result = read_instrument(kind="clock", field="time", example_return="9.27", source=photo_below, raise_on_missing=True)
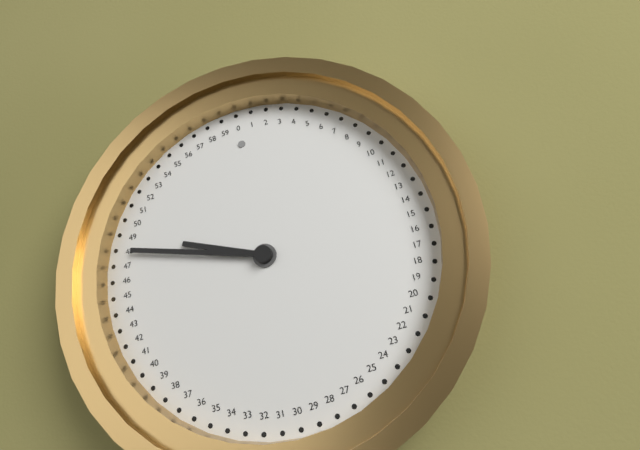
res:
9.48
